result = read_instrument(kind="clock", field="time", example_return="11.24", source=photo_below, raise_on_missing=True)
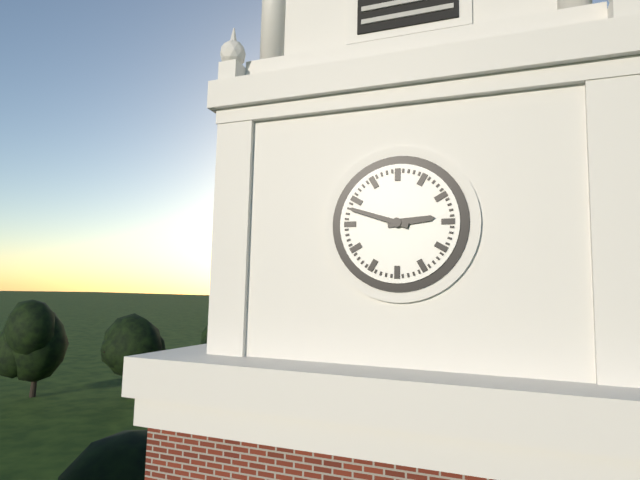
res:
2.48
